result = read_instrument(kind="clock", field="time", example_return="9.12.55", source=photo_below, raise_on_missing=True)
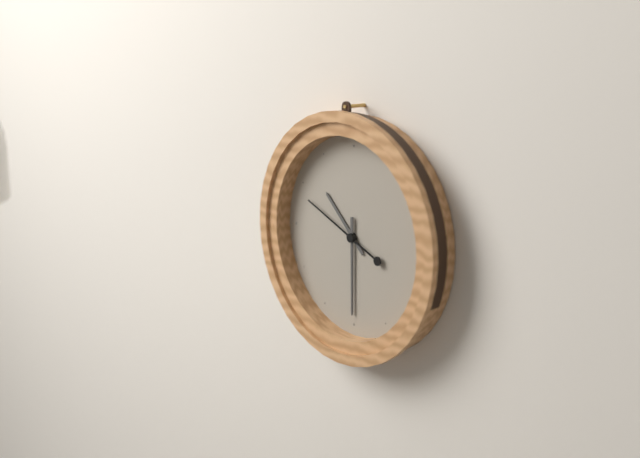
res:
10.30.49
